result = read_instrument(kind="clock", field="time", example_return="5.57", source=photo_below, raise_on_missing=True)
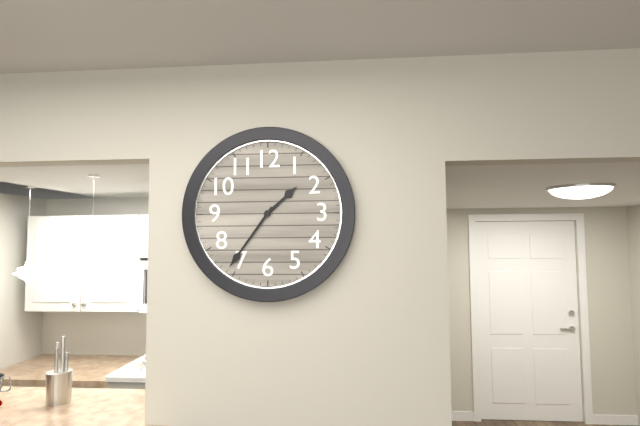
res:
1.36
